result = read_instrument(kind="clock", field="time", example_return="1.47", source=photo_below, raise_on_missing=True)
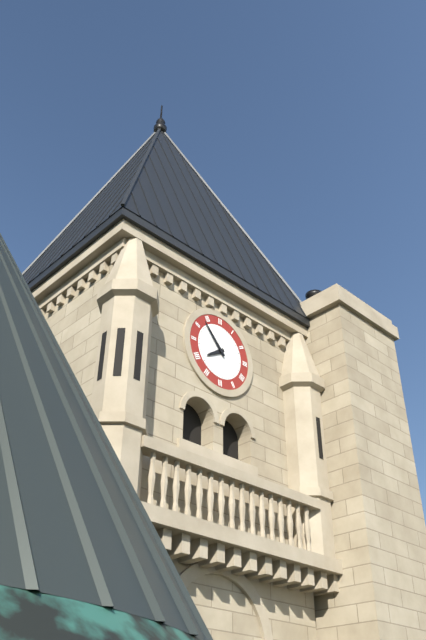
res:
7.53
